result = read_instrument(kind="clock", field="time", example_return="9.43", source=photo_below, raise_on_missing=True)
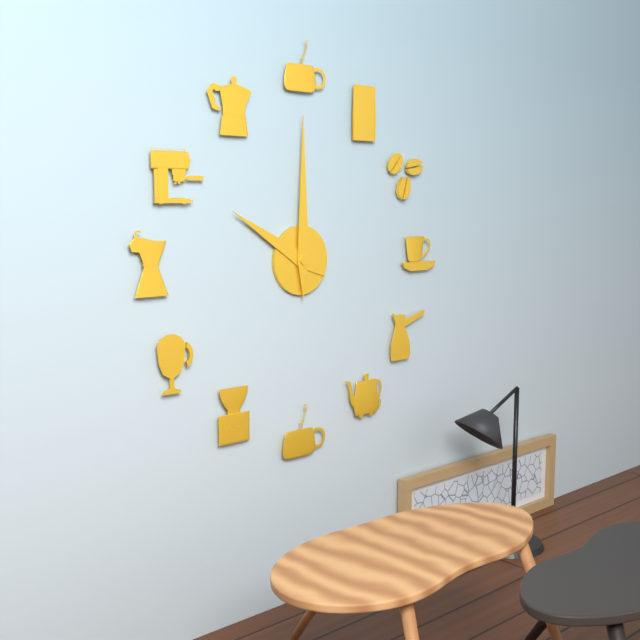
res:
10.00
